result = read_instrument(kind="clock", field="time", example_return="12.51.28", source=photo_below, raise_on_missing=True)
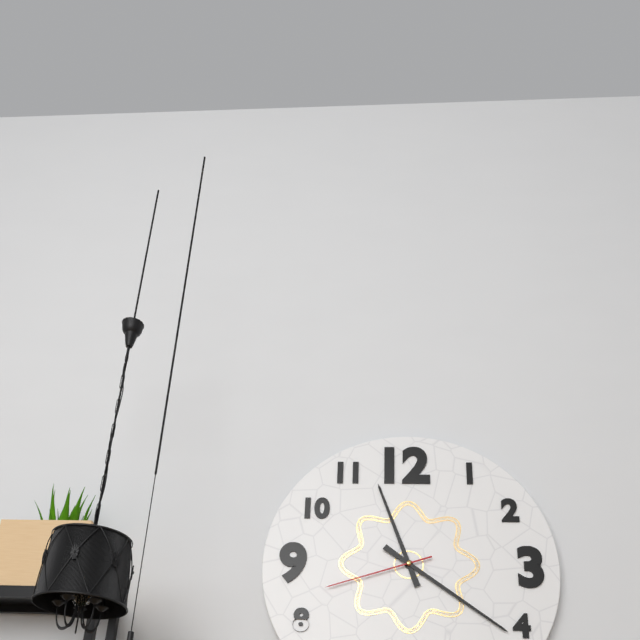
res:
11.21.42
